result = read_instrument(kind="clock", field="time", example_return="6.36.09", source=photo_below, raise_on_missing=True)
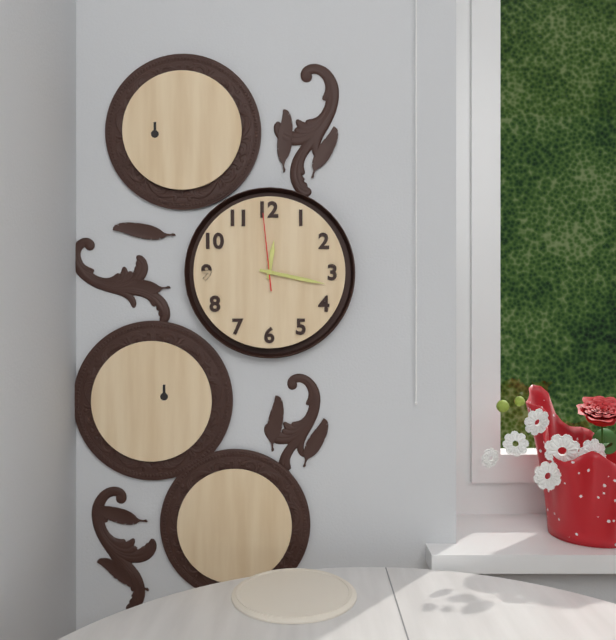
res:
12.17.59
